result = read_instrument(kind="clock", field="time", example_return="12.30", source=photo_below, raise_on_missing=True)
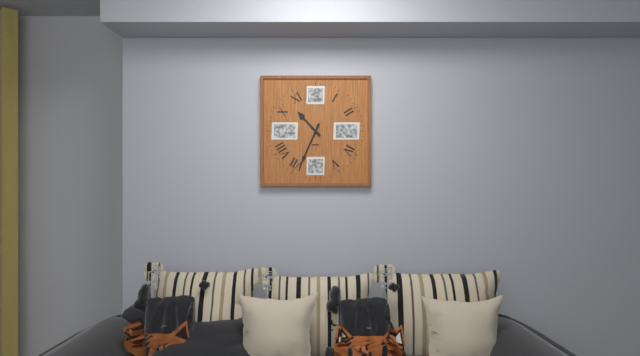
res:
10.34
